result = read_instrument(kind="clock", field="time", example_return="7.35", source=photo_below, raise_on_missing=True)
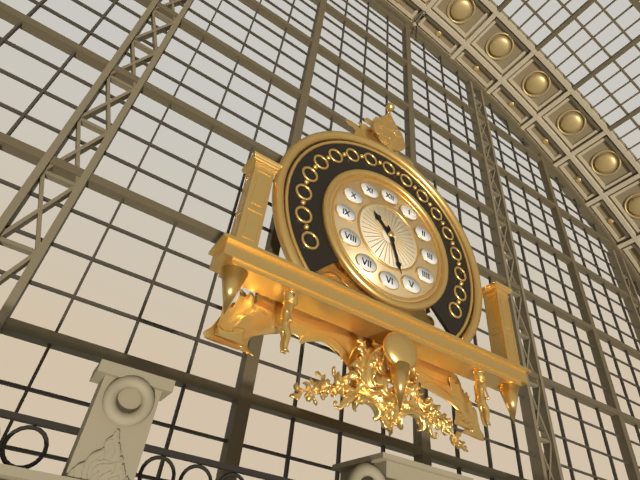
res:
10.27
